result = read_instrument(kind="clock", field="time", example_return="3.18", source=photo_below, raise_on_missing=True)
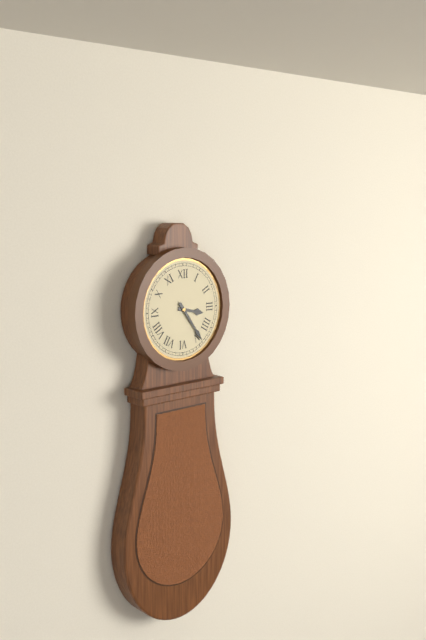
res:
3.24
